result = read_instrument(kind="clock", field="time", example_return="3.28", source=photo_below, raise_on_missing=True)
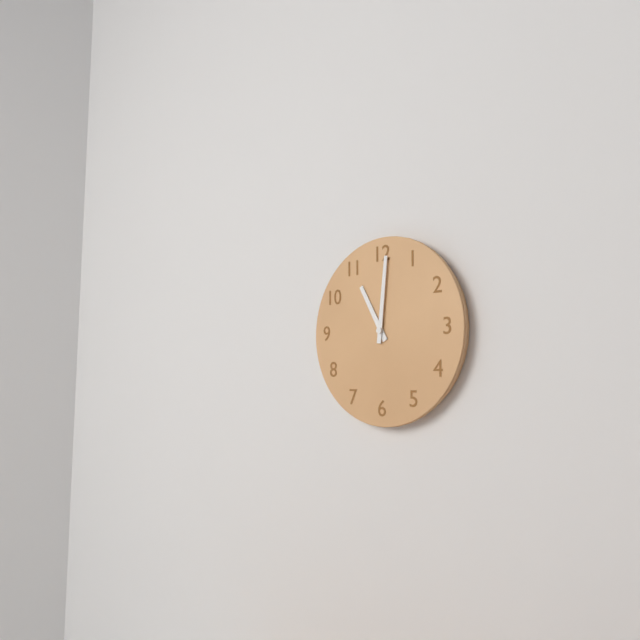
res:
11.01
